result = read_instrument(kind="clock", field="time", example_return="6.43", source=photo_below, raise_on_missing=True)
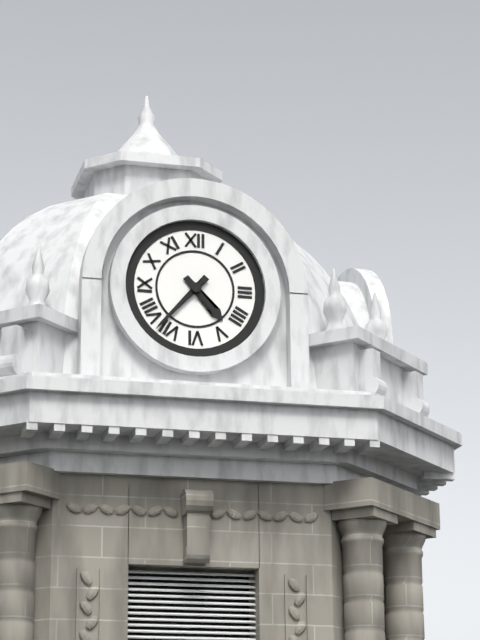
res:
4.37
